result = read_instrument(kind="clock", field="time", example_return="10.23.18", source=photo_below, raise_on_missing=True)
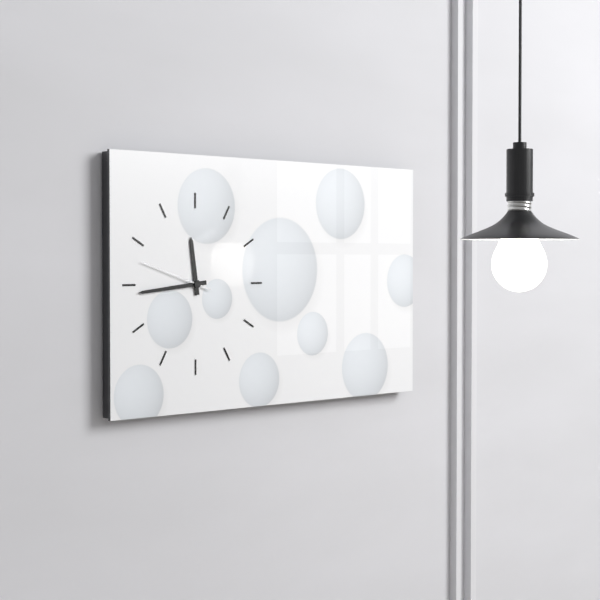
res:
11.44.48
